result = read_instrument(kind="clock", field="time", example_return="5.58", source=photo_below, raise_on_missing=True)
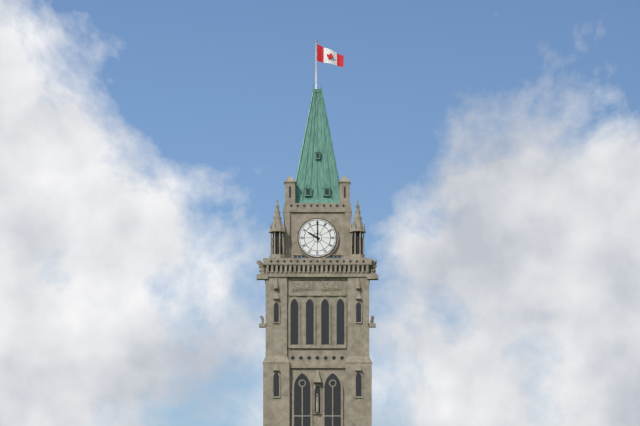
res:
10.00
